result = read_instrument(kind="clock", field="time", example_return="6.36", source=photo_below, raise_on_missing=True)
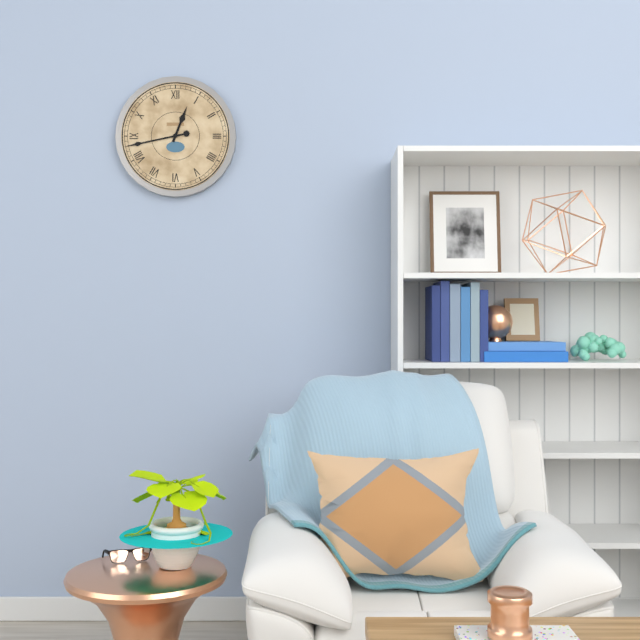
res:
12.43
